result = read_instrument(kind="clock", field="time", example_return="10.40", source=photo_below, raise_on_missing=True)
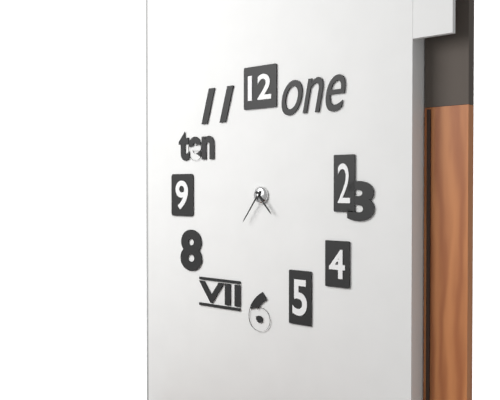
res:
4.36
